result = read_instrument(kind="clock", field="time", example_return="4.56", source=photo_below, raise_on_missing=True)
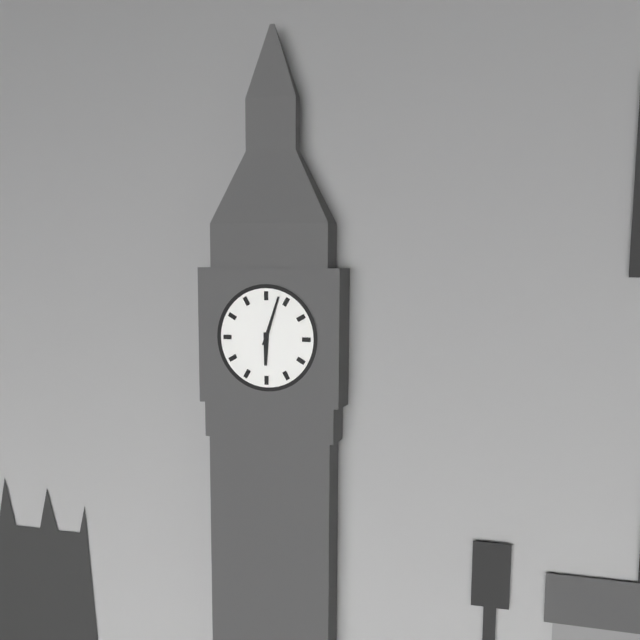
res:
6.03
